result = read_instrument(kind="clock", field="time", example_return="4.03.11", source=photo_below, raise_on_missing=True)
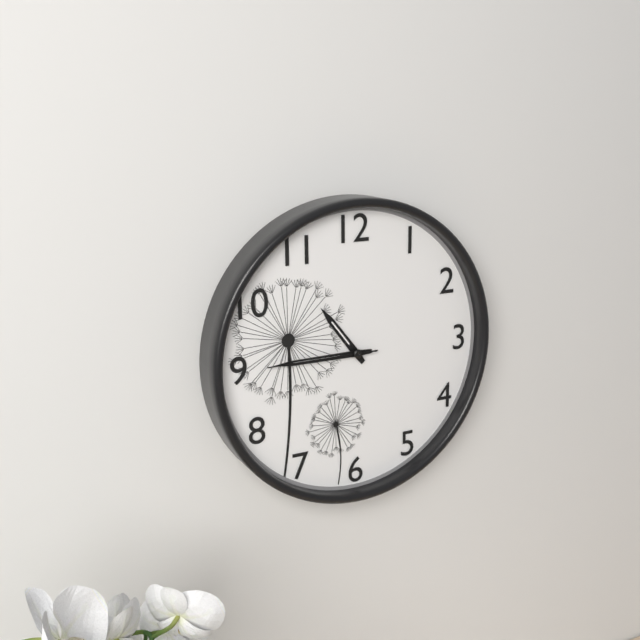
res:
10.45.45
